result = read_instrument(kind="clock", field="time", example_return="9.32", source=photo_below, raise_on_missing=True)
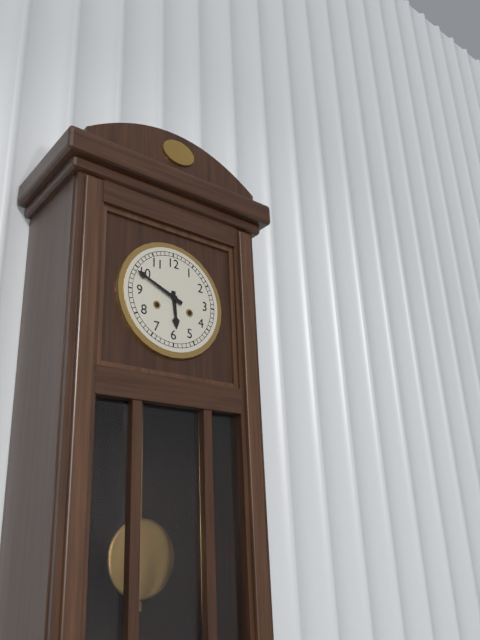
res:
5.49
